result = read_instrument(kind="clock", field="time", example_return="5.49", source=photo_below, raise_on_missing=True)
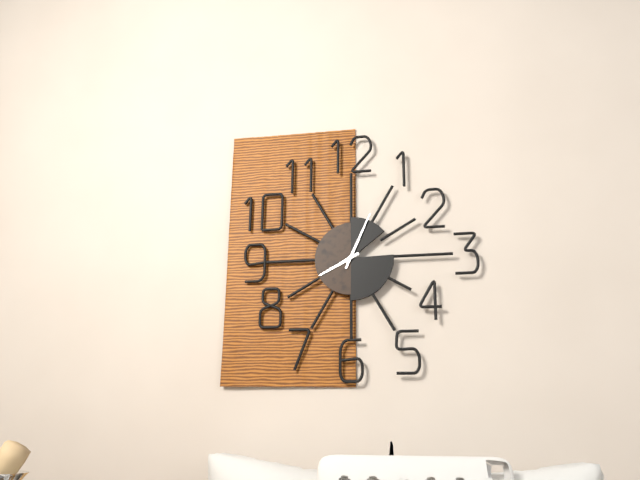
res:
8.04
